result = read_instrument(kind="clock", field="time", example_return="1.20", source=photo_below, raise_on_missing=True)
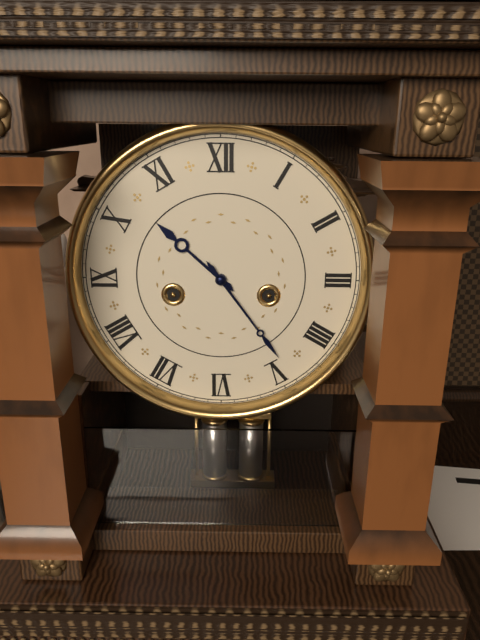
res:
10.24
